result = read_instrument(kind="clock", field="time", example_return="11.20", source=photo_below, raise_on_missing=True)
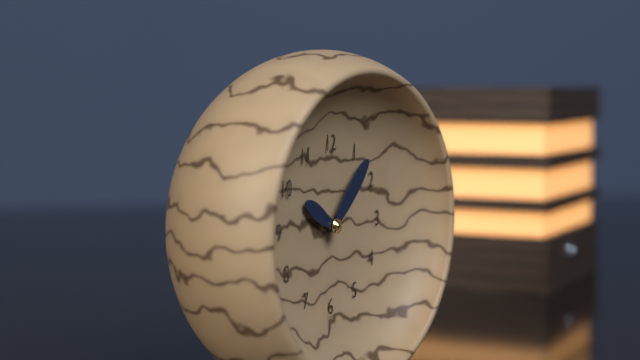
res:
10.07
